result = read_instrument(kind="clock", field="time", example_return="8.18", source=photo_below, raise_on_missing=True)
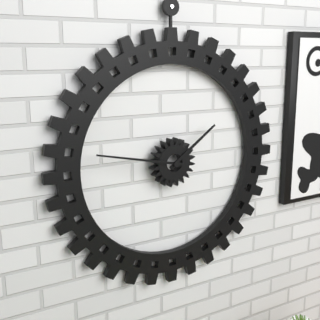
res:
1.47
